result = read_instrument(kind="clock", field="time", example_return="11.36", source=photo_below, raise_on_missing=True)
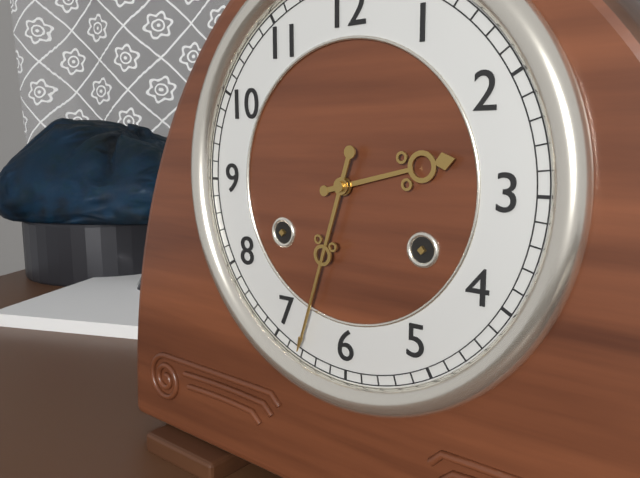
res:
2.33
